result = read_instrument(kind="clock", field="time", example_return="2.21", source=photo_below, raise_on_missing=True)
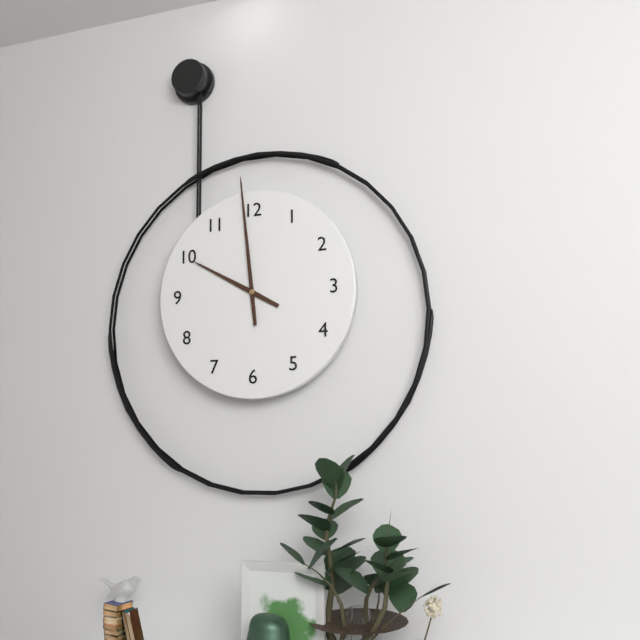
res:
9.59
